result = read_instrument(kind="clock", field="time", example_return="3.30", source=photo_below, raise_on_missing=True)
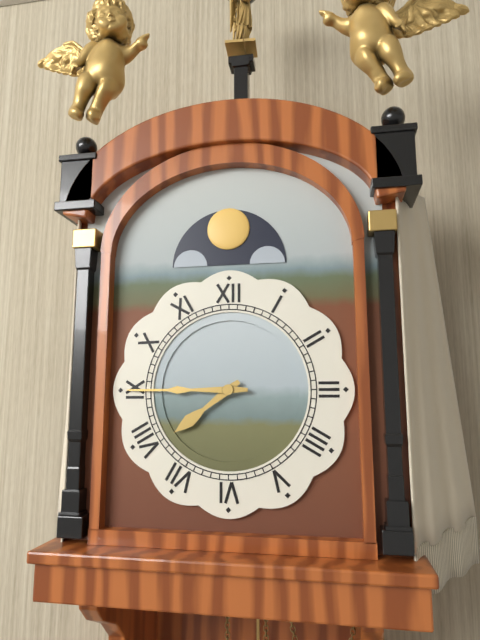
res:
7.45
